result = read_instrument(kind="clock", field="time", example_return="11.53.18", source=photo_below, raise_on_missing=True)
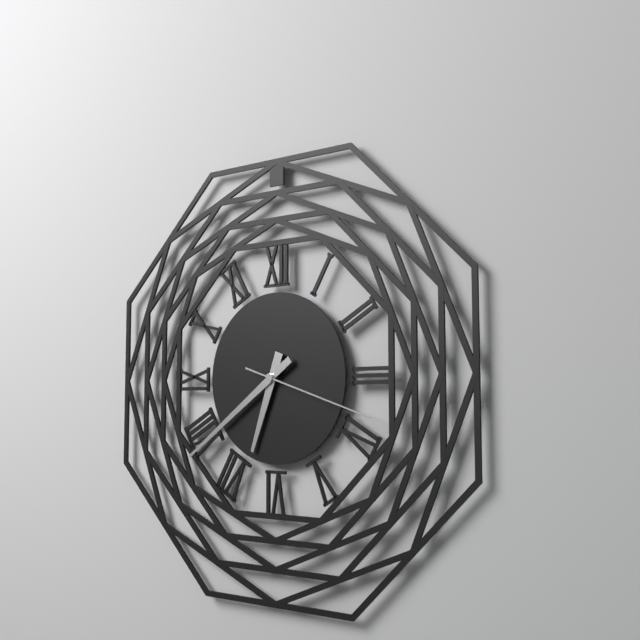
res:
6.39.18
